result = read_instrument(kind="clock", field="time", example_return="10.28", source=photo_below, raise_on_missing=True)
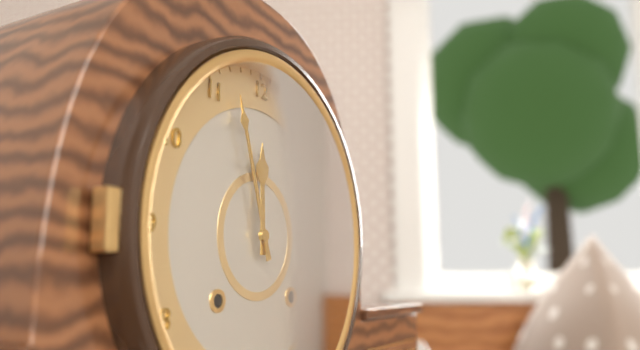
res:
11.57
